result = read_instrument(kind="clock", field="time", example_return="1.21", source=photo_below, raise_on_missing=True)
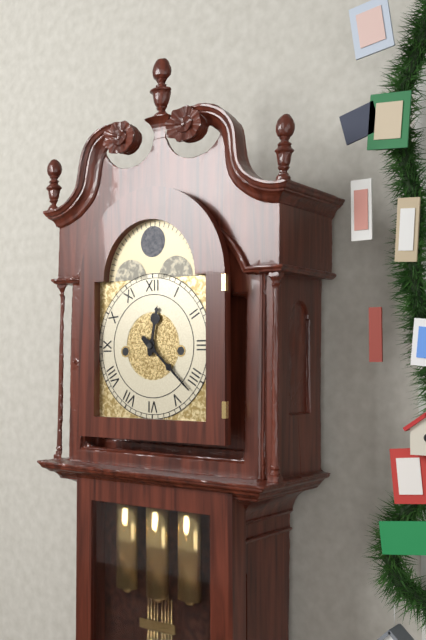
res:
12.22
